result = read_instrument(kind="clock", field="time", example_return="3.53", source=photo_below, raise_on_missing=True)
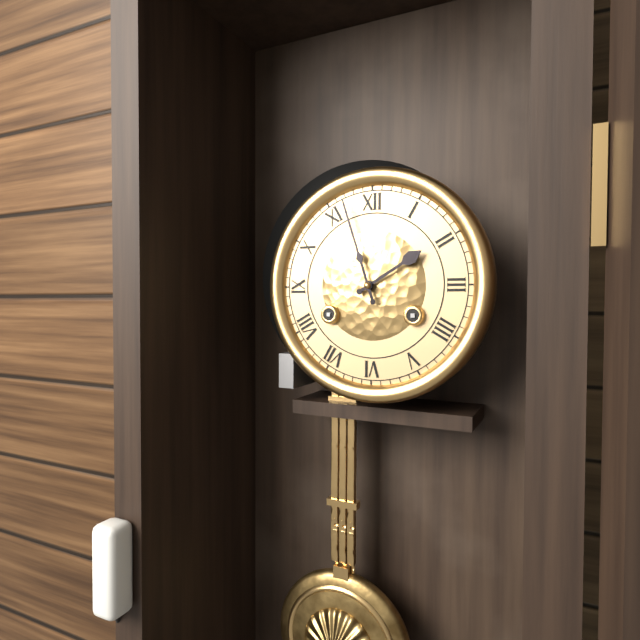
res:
1.57
